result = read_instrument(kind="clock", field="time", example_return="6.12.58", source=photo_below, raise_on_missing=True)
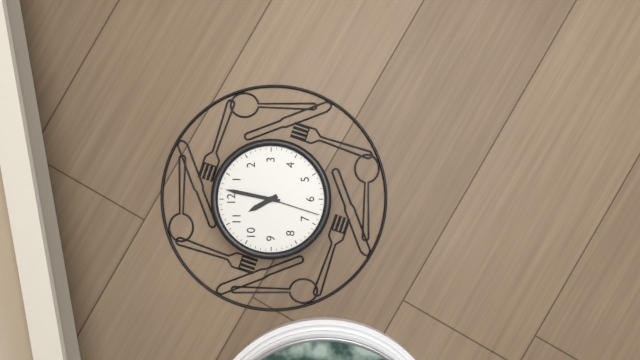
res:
11.02.33
